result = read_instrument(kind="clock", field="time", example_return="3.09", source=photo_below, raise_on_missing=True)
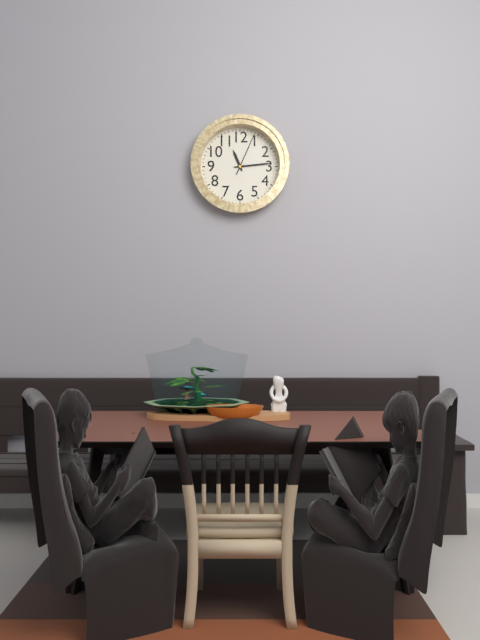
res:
11.14
